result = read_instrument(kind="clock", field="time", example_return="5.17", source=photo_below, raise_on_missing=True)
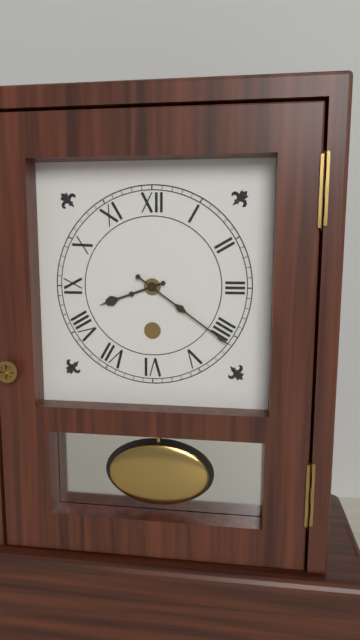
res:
8.21
